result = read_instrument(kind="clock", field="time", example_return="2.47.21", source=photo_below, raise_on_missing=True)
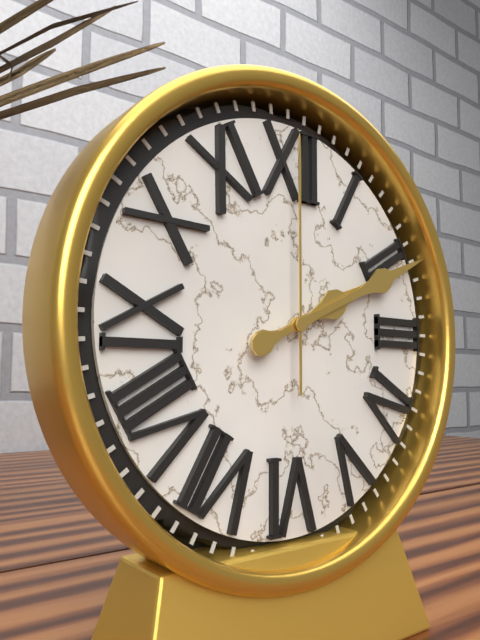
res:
2.11.00
